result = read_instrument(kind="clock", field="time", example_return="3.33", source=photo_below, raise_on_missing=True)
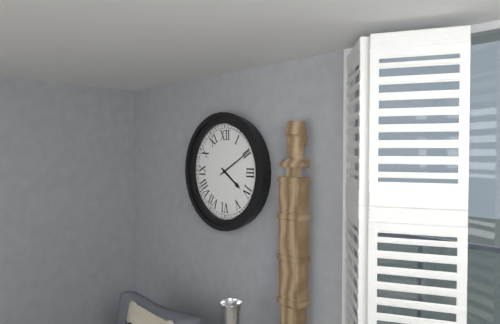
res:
4.10
